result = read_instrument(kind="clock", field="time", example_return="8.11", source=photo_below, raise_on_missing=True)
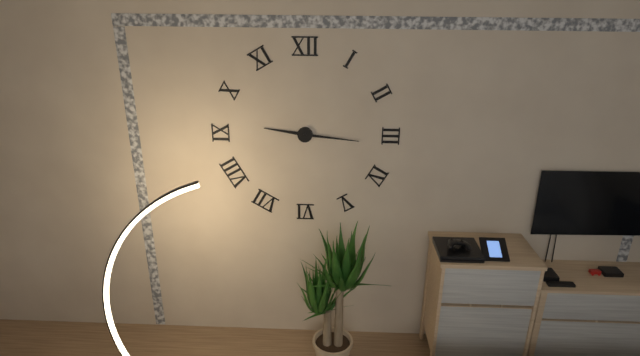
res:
9.16
